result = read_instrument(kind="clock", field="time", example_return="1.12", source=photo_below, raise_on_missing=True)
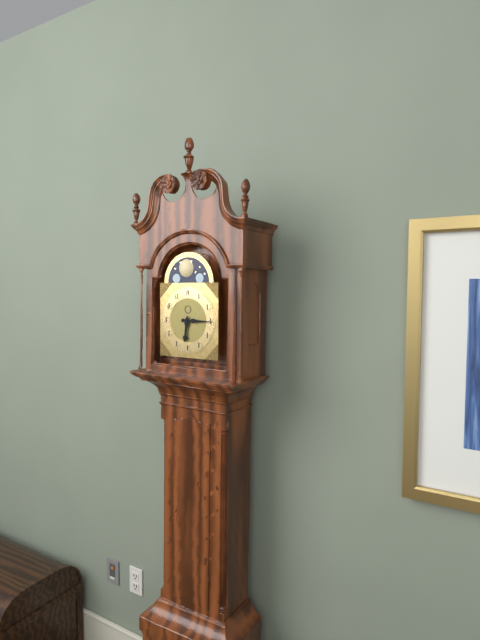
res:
6.15
